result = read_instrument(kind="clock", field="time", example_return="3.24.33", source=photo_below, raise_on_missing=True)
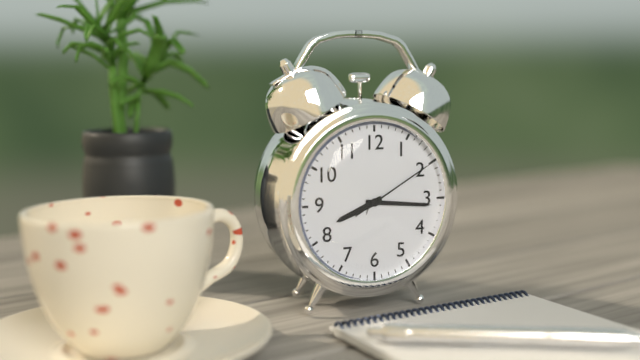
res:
8.16.10
